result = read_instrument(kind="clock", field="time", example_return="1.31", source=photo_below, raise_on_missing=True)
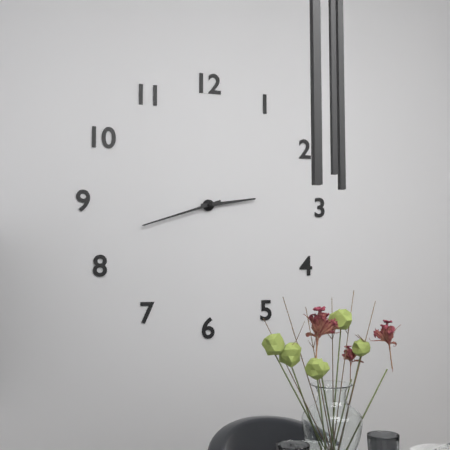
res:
2.42
